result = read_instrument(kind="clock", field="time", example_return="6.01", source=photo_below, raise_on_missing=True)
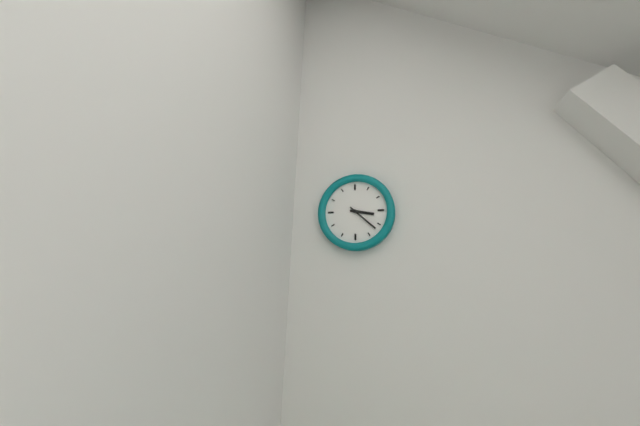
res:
3.22
